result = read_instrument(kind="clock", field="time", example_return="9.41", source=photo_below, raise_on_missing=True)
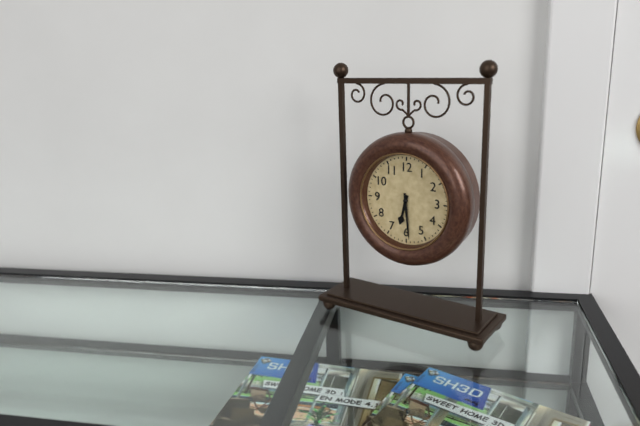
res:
6.29
